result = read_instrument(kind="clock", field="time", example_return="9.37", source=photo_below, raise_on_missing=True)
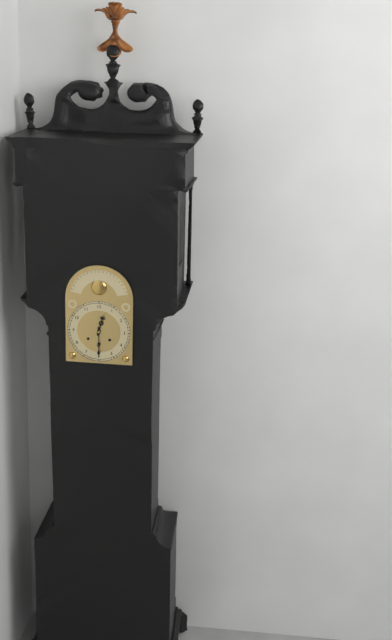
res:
12.30
